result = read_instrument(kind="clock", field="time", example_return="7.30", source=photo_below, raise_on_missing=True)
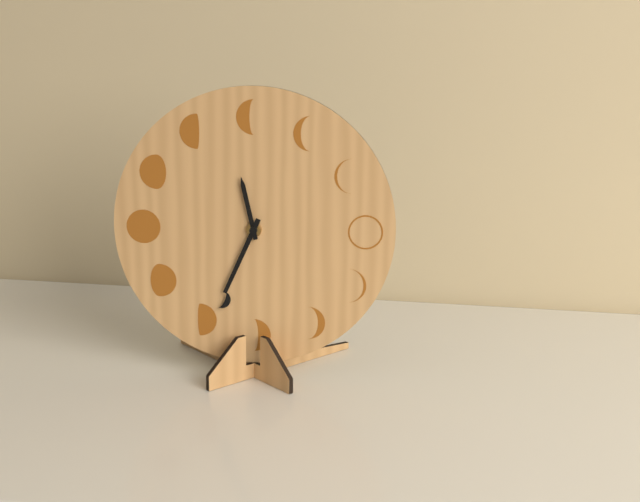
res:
11.34
